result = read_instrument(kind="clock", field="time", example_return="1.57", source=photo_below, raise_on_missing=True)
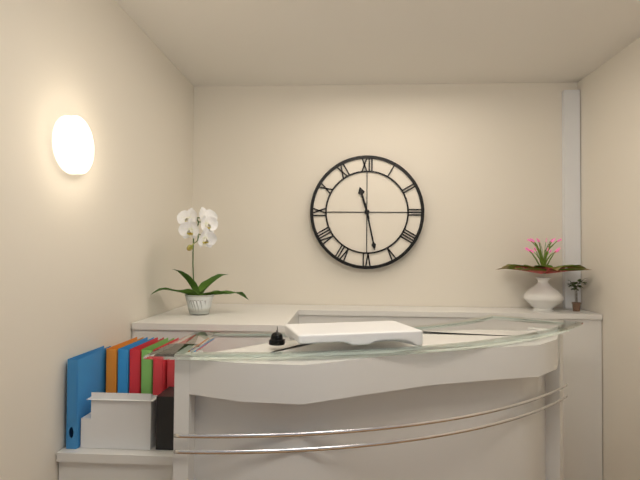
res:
11.28
